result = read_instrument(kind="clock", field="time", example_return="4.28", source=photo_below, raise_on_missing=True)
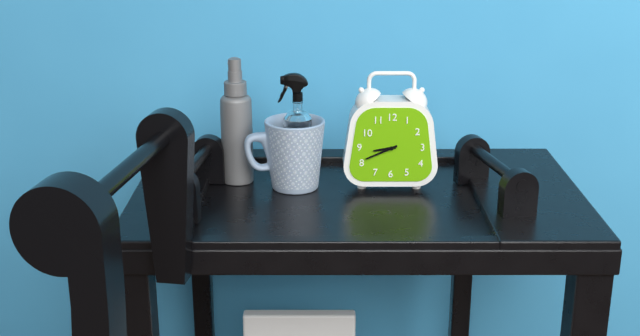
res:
8.41
